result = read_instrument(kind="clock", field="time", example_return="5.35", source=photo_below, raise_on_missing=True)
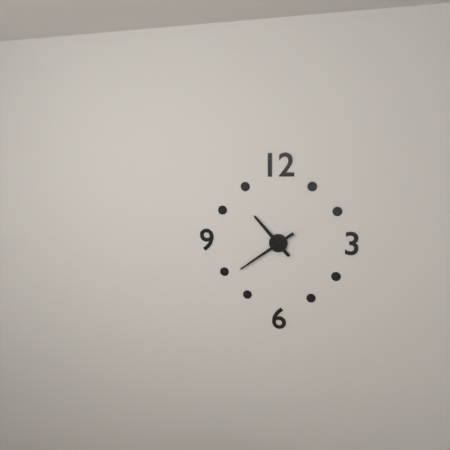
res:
10.39
